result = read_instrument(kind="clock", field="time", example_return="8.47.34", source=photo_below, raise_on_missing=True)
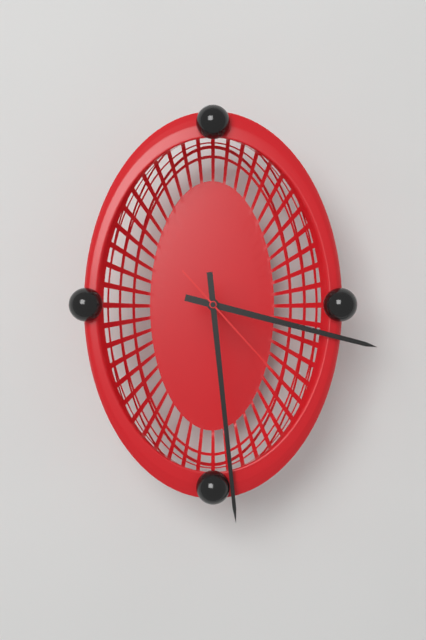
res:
3.29.23
